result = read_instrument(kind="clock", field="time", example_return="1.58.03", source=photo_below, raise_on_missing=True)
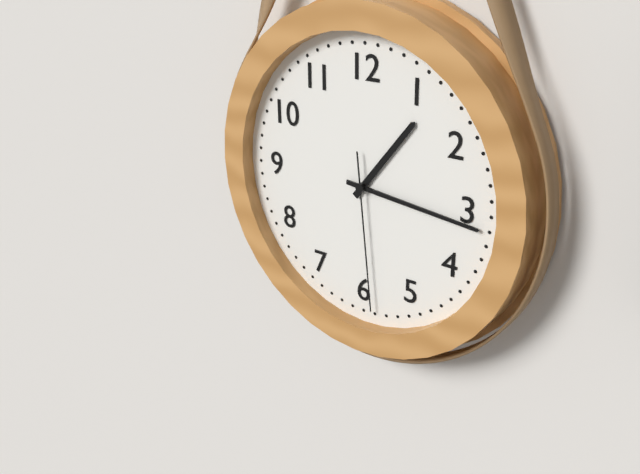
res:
1.16.29
